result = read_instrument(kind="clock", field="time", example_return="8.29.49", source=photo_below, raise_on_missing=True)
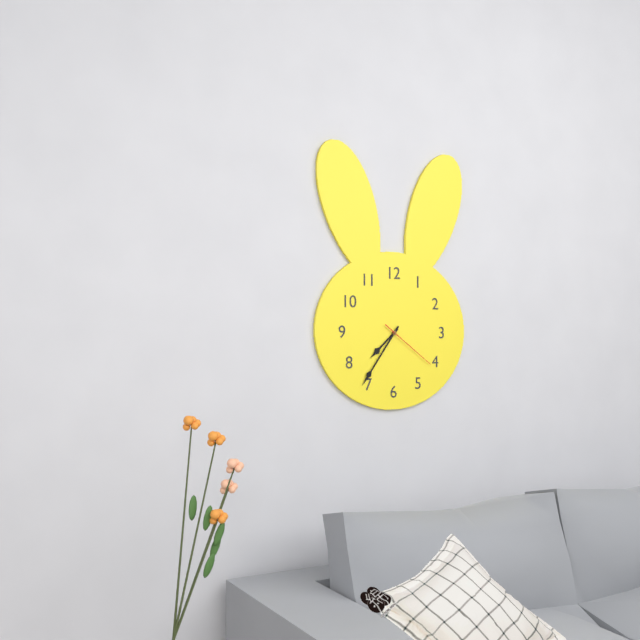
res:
7.36.21
